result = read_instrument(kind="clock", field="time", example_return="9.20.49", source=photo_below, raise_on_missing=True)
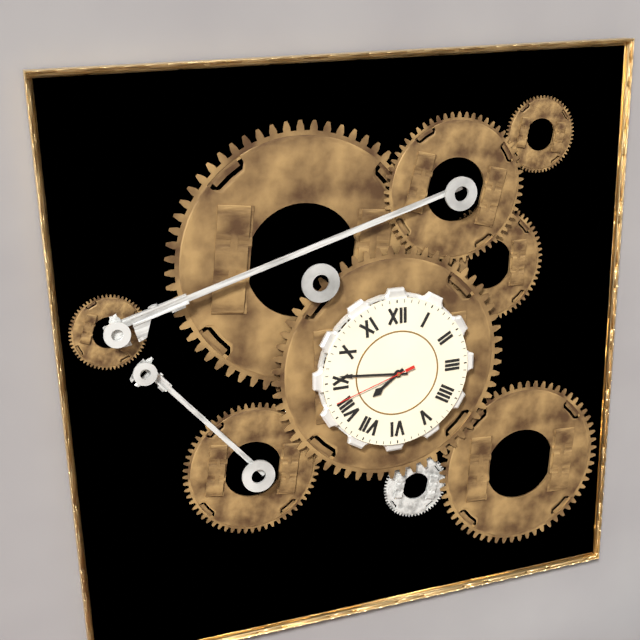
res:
7.46.42
